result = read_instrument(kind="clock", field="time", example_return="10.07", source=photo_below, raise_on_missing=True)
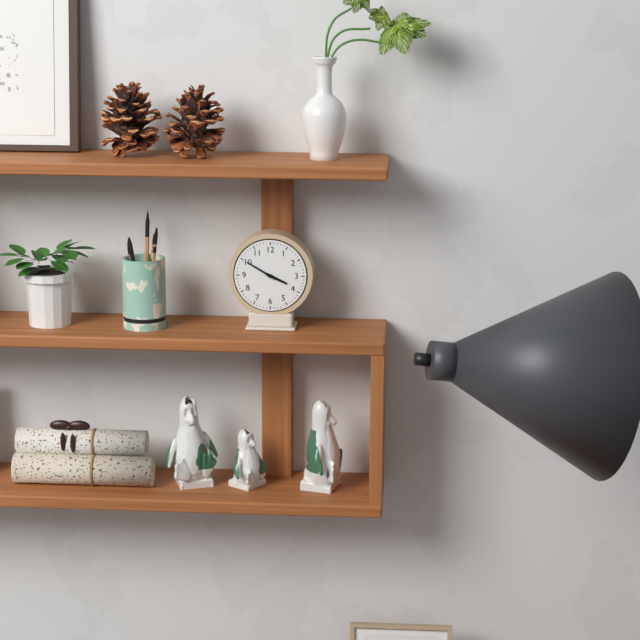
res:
3.50
